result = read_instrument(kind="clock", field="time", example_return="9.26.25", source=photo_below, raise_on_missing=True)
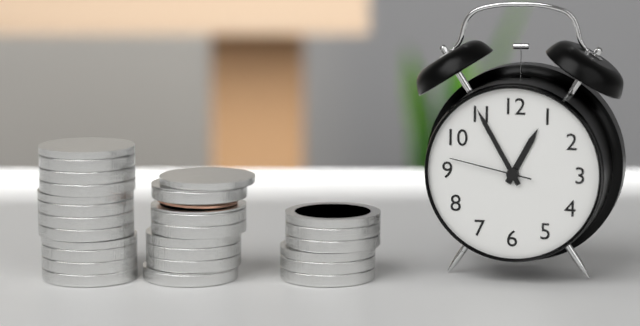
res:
12.55.47
